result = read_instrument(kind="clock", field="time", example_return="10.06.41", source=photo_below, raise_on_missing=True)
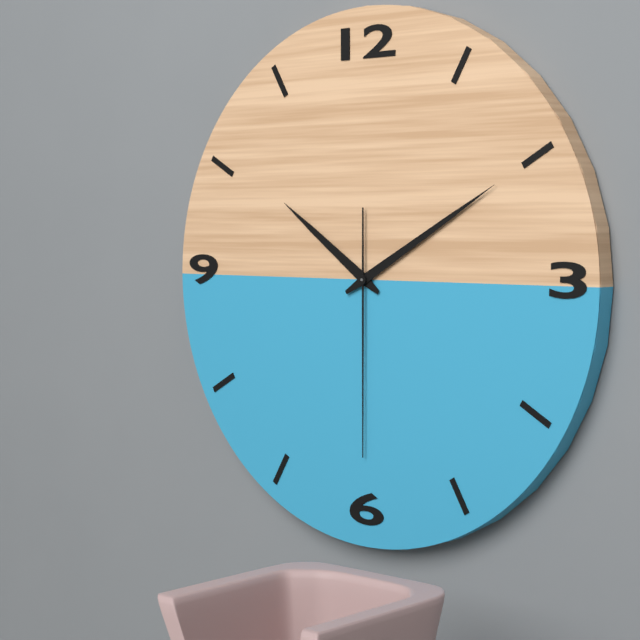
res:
10.10.30
